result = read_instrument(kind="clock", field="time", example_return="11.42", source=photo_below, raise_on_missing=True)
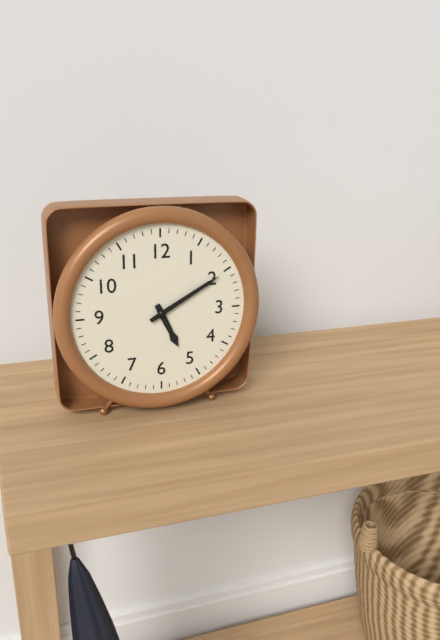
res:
5.10
